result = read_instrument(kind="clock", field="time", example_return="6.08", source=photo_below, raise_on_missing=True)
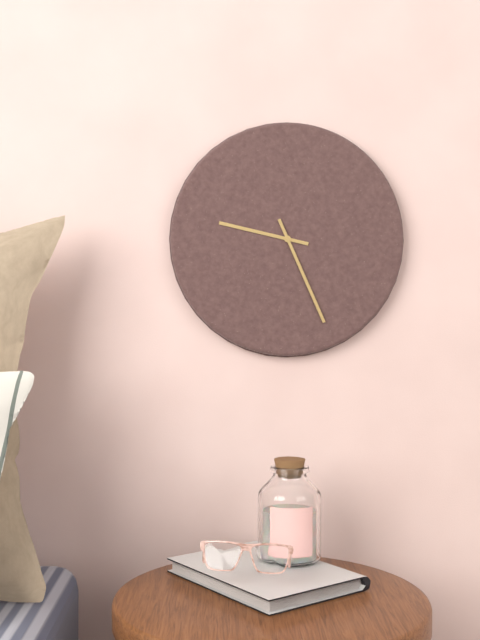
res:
9.26
